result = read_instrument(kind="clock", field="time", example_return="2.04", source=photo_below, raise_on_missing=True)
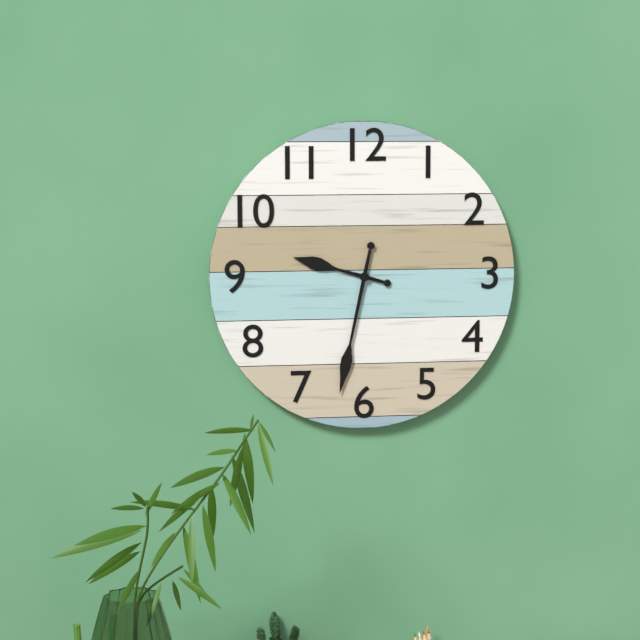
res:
9.32
